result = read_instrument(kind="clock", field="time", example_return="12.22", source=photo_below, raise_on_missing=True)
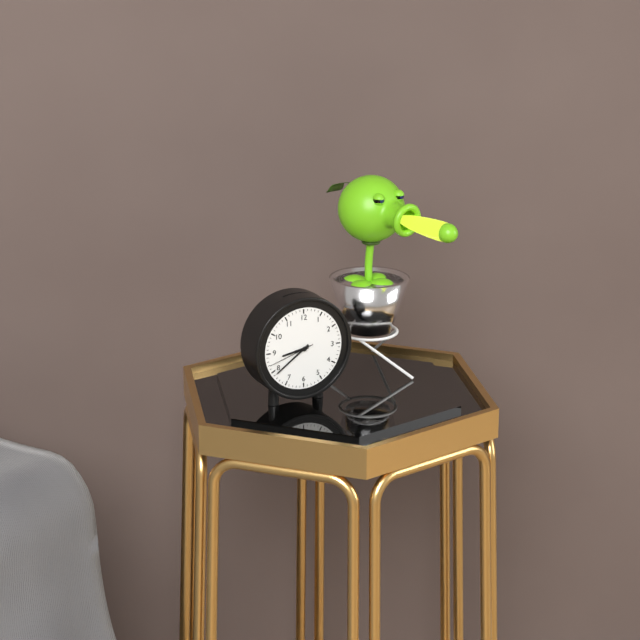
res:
8.39
